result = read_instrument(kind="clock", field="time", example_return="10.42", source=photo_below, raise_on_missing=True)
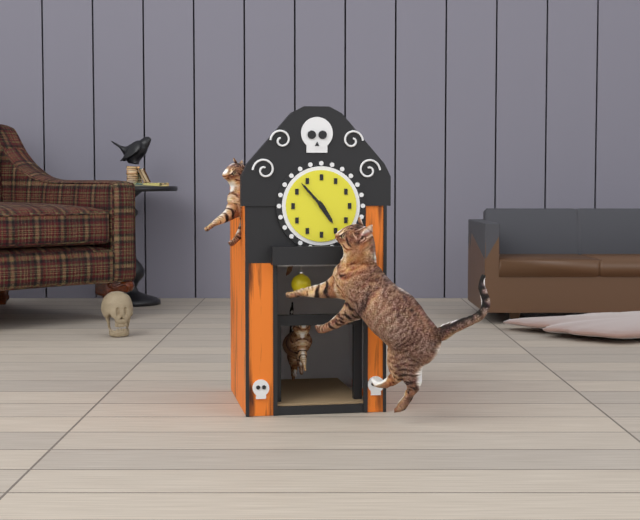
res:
4.53
